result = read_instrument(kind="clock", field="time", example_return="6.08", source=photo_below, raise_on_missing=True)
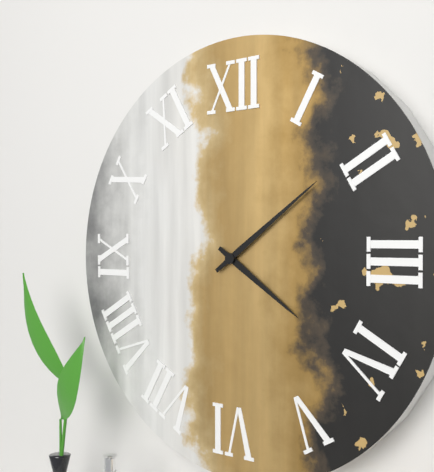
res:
4.09
